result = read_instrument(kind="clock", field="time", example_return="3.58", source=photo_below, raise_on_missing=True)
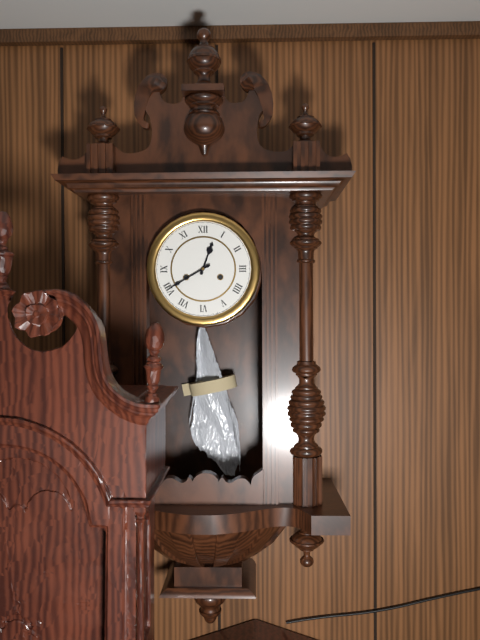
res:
12.40
